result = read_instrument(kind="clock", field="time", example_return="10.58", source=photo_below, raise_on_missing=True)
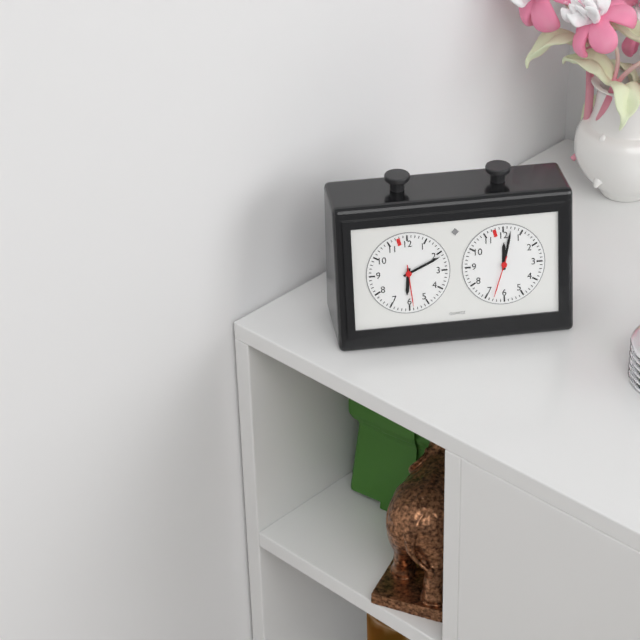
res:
6.11
